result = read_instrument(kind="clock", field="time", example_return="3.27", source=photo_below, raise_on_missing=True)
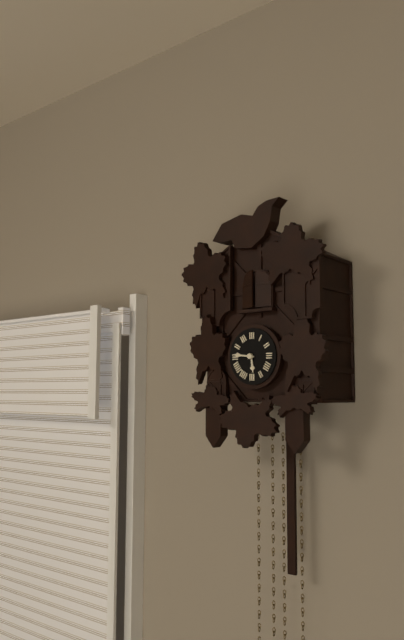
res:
5.46
